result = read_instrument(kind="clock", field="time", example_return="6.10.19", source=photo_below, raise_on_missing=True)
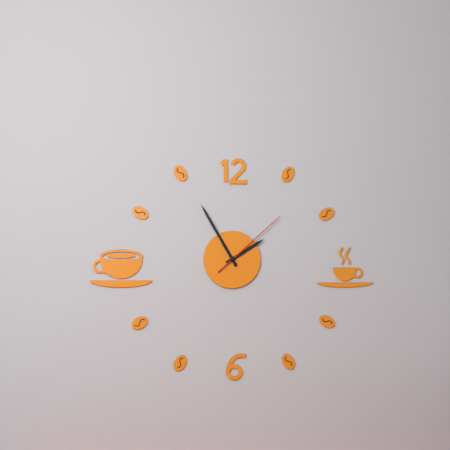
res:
1.55.08
